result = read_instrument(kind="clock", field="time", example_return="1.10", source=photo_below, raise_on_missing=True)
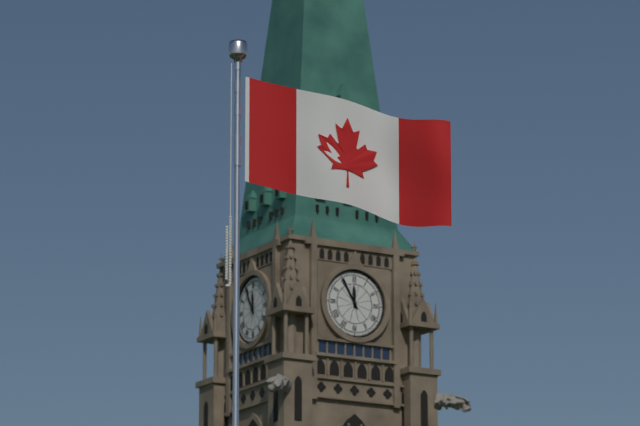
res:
11.55
